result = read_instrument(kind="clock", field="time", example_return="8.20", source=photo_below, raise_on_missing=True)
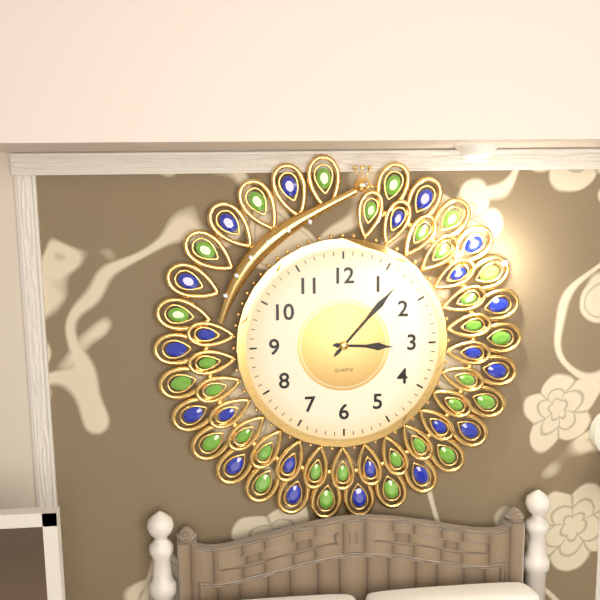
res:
3.07
